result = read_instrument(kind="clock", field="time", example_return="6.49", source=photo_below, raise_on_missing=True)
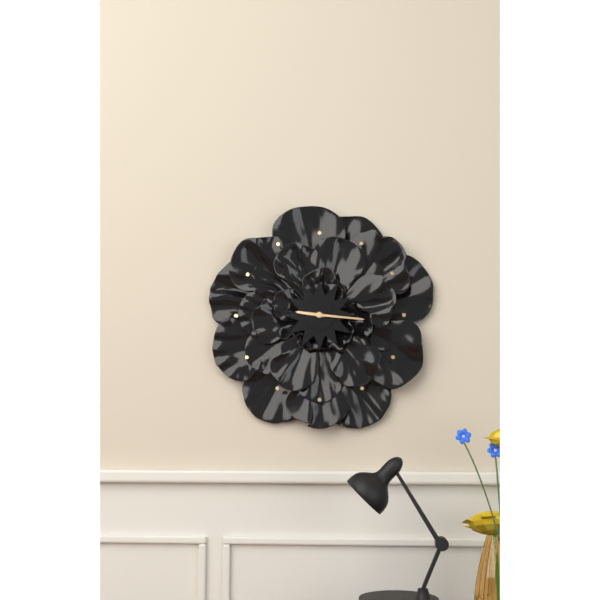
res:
9.16
